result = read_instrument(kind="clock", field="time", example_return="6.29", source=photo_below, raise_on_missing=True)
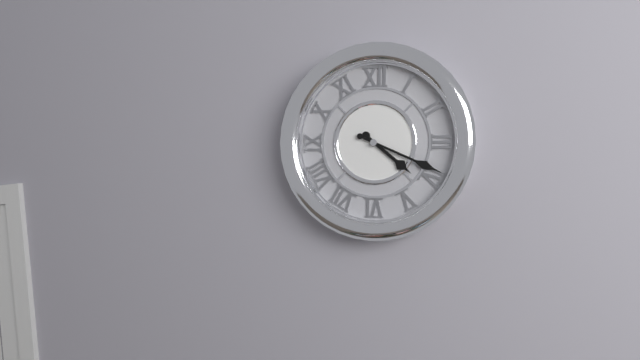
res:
4.19
